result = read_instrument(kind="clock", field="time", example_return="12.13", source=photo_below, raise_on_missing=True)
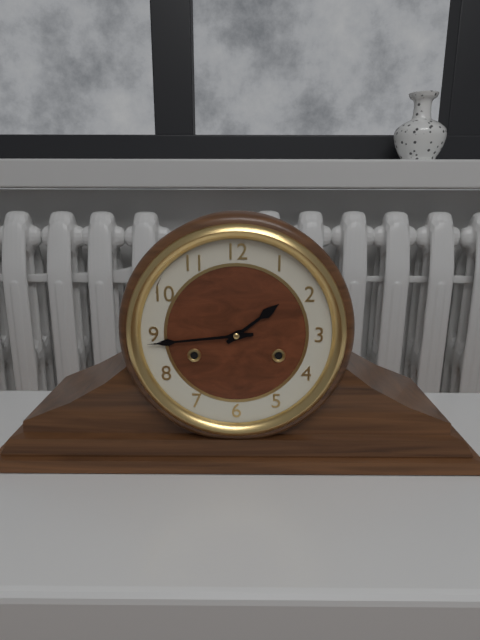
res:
1.44
